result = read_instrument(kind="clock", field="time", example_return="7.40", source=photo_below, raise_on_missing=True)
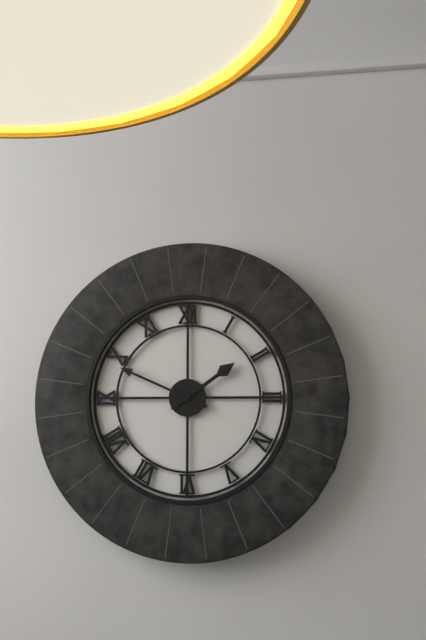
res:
1.49
